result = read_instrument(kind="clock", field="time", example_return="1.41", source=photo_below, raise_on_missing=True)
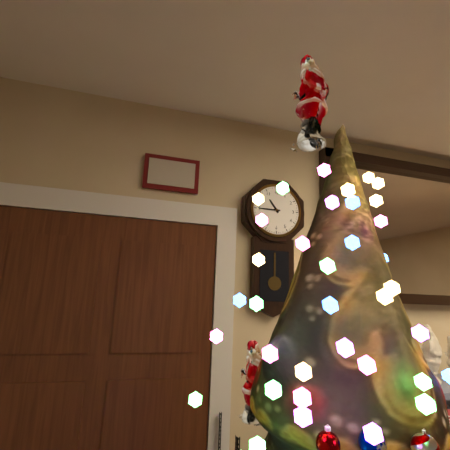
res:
10.45
